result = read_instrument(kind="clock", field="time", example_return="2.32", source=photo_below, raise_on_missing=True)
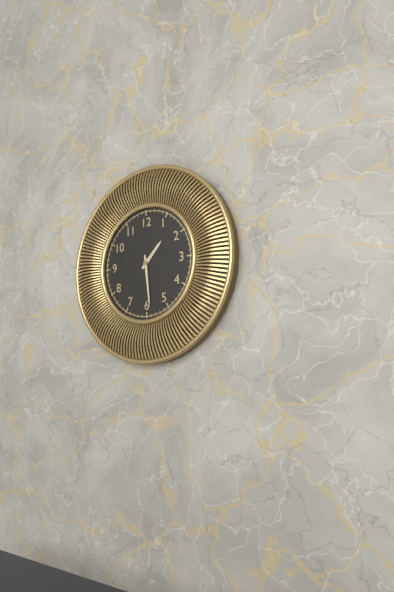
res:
1.29
